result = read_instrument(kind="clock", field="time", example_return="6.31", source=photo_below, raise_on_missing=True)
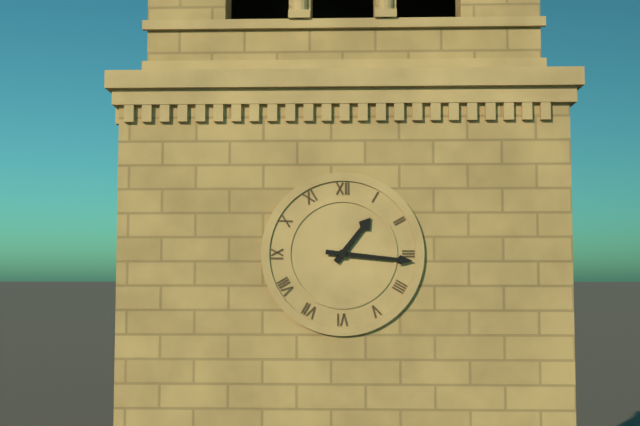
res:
1.16
